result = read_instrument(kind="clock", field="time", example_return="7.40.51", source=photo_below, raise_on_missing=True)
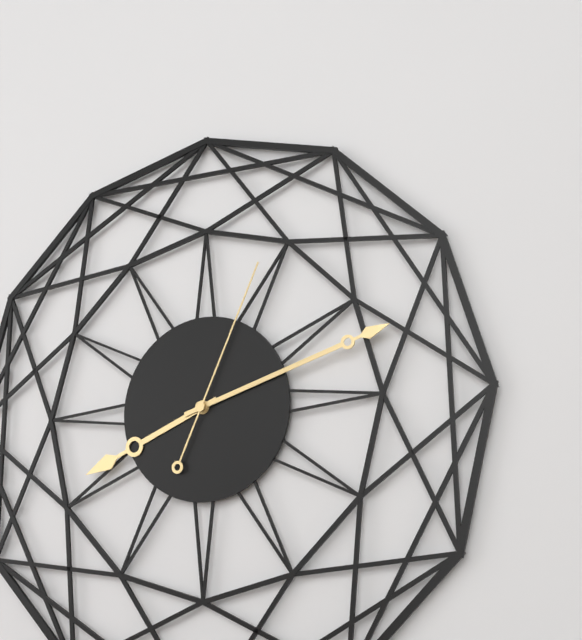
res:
8.12.04
